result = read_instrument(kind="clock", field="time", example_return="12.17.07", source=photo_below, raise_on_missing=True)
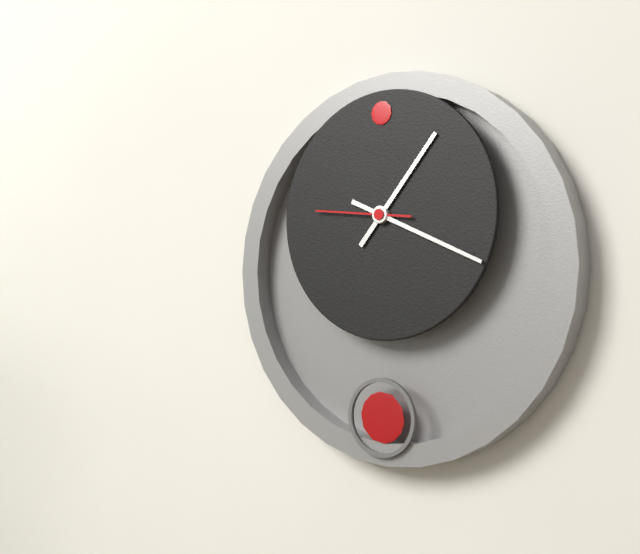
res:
1.19.46
